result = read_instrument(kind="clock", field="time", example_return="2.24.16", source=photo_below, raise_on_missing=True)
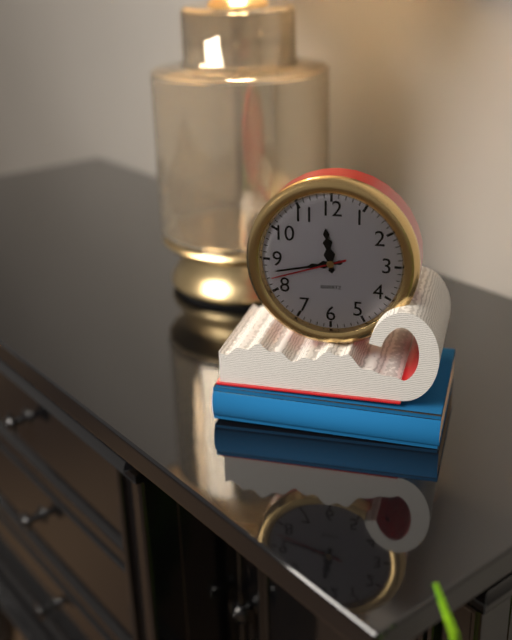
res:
11.43.42
